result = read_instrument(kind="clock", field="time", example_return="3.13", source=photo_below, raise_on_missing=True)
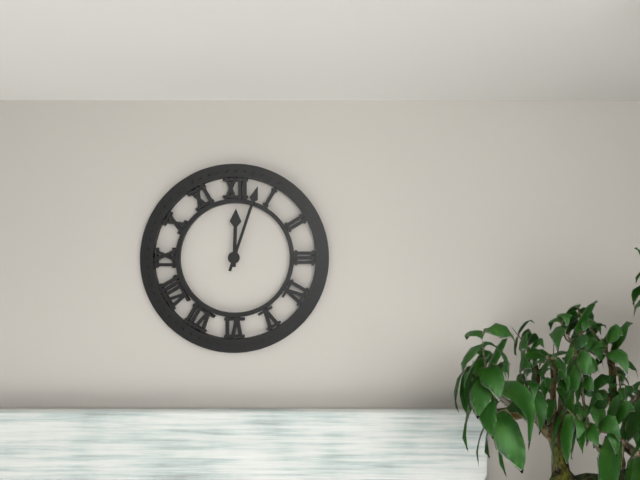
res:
12.03
